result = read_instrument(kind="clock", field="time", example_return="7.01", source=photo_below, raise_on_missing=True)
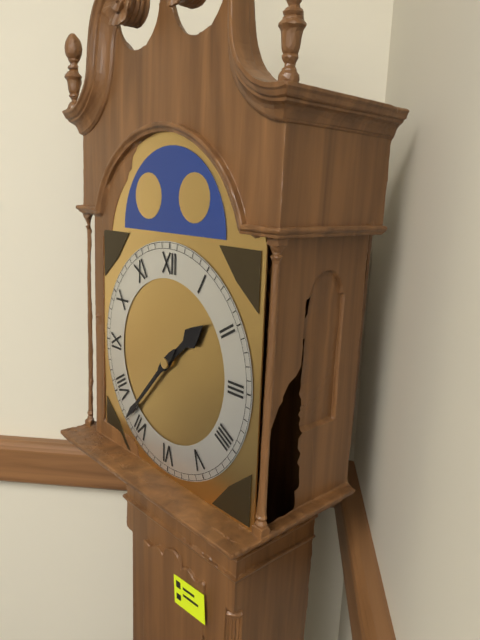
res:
1.37
